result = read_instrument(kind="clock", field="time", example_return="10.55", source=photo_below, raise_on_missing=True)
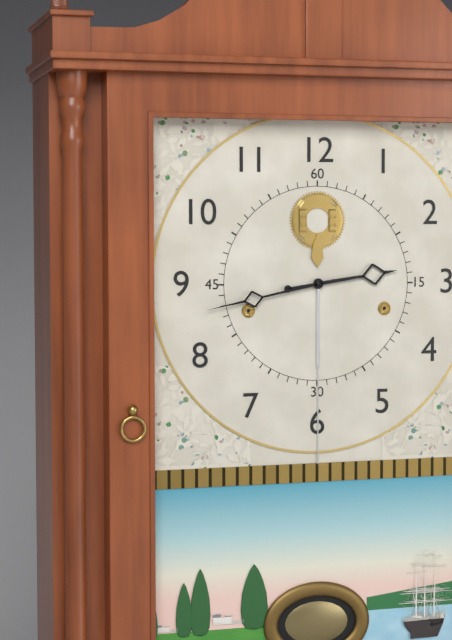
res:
2.43
